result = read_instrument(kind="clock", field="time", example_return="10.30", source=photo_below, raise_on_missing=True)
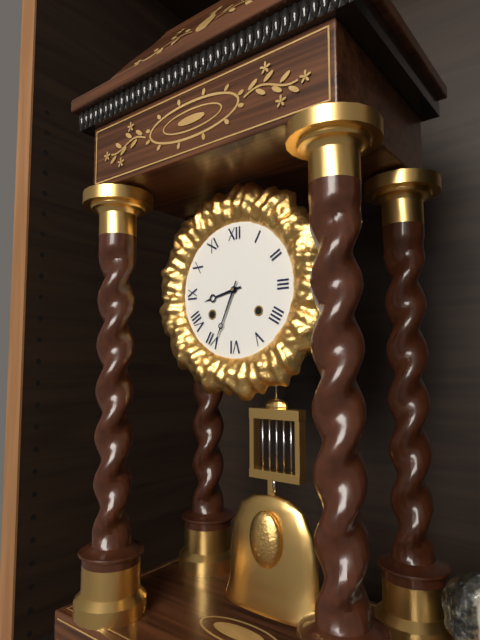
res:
8.34
